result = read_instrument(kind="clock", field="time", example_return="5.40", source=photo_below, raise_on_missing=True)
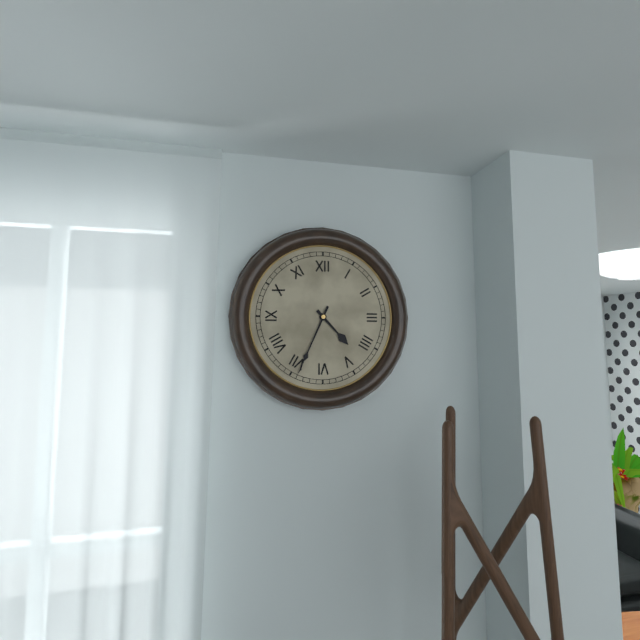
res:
4.34
